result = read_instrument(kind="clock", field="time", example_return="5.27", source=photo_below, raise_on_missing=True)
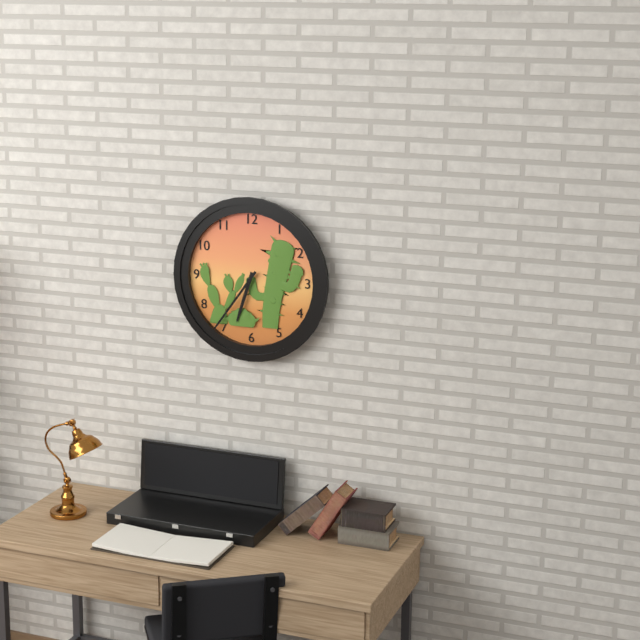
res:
6.36
